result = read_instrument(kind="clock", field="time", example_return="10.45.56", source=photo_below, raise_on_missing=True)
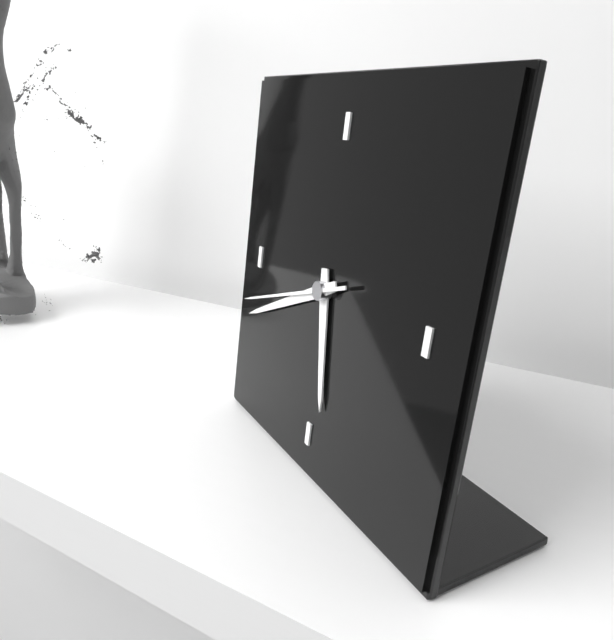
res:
5.41.42
